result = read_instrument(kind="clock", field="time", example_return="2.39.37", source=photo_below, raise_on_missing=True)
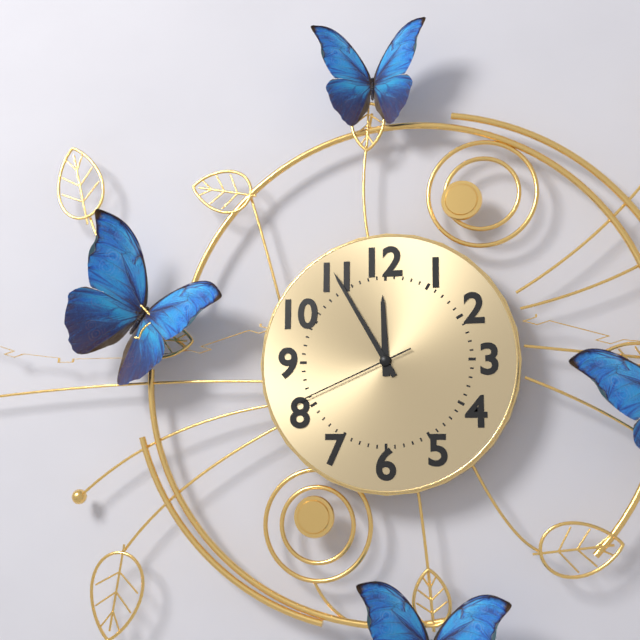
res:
11.55.41
